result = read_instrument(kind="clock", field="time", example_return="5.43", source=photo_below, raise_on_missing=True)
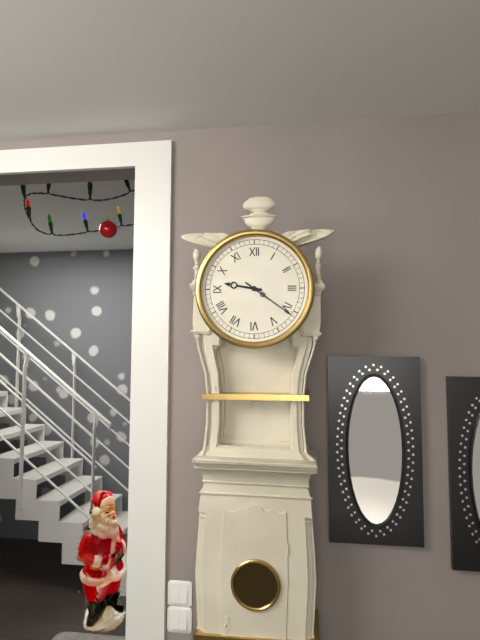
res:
9.21
